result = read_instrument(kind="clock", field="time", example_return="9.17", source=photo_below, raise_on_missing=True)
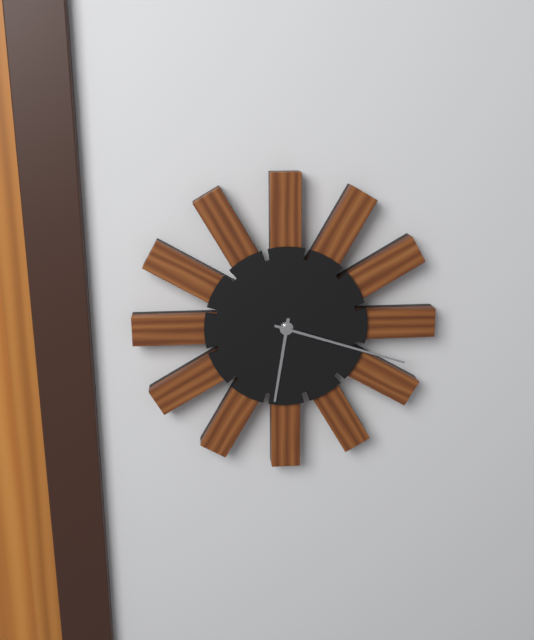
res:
6.18
